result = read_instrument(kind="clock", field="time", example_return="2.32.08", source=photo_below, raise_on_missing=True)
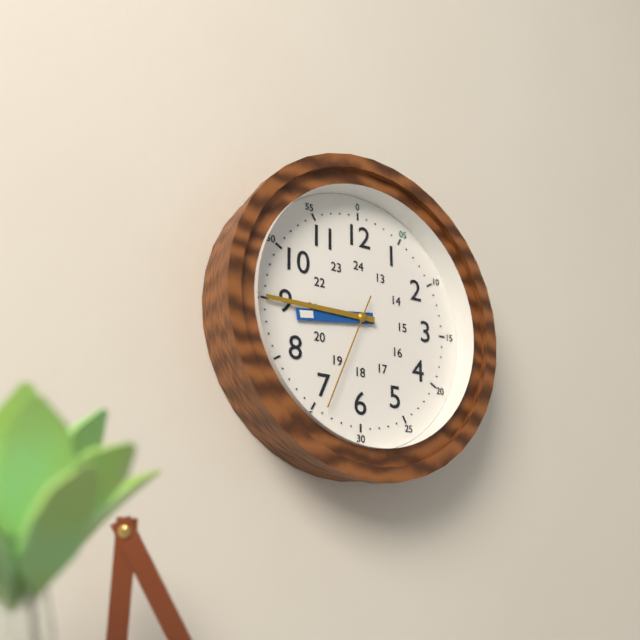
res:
8.45.34
